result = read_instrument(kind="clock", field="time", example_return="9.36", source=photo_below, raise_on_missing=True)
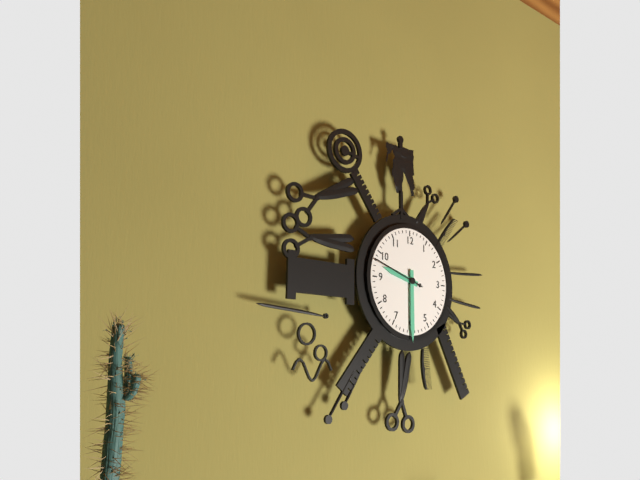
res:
9.30
